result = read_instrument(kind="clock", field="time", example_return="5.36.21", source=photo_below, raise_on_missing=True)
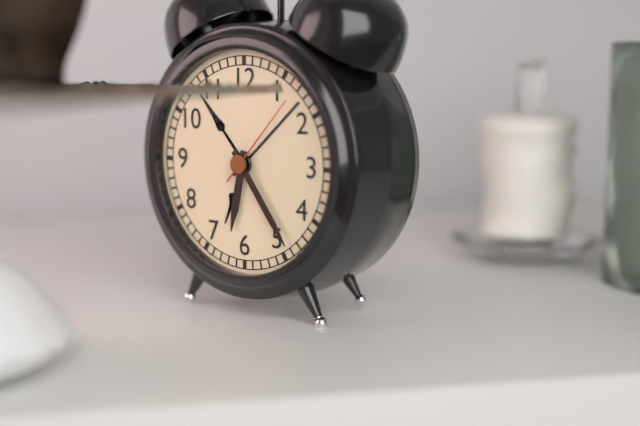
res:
6.24.07
